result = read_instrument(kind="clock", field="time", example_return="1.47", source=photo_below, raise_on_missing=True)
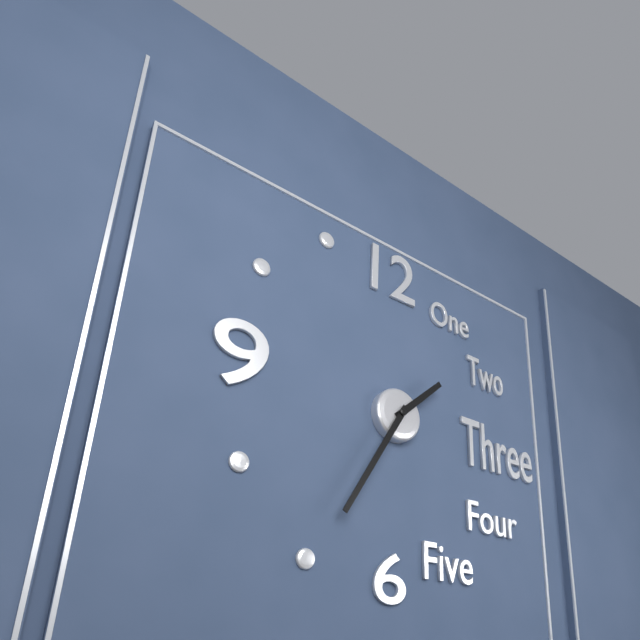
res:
1.35
